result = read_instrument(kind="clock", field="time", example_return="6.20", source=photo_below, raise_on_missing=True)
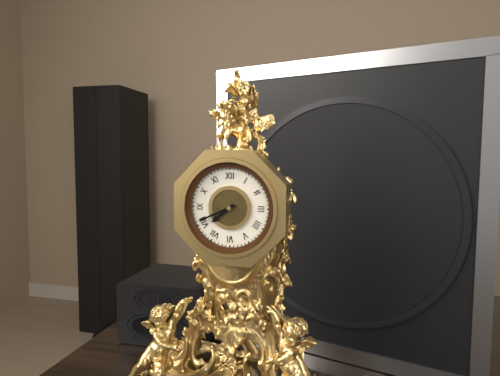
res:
7.41
